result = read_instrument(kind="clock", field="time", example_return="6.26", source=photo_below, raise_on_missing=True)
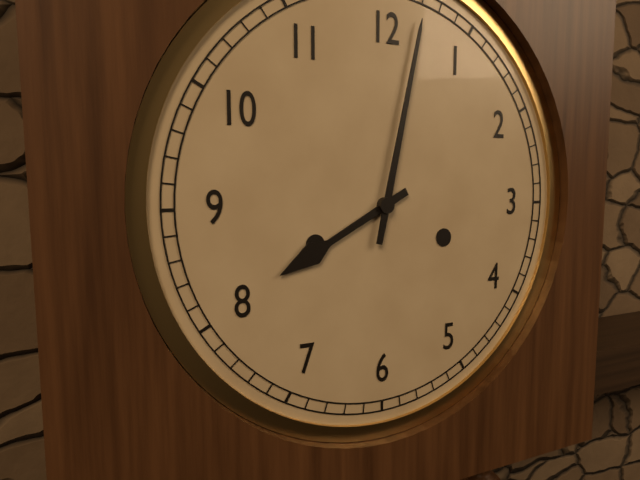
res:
8.02
